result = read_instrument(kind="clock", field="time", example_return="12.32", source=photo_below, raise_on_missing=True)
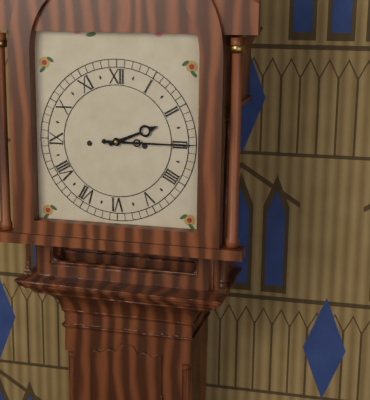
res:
2.15
